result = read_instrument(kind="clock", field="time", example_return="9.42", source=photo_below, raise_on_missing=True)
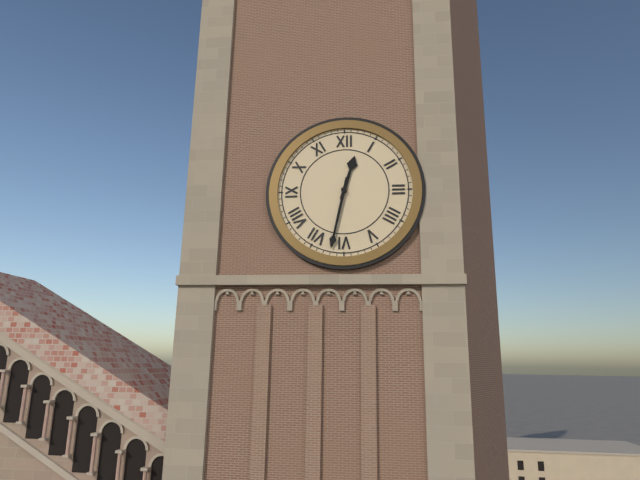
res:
12.32
